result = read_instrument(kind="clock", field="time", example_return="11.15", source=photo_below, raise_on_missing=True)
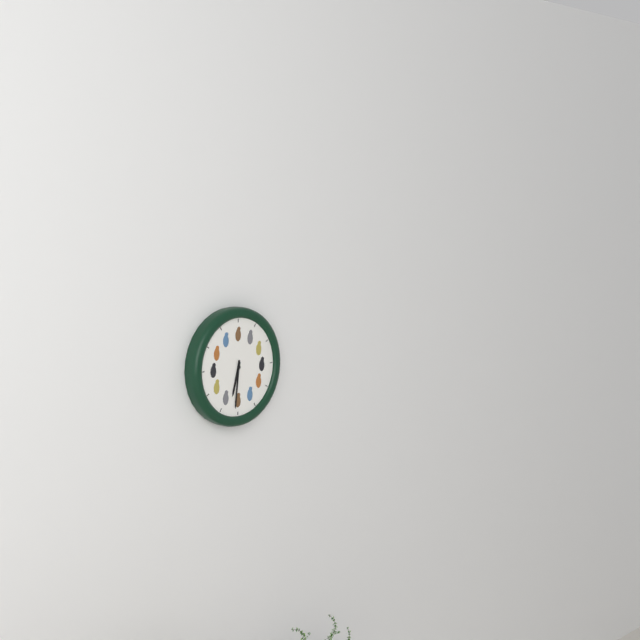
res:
6.31
